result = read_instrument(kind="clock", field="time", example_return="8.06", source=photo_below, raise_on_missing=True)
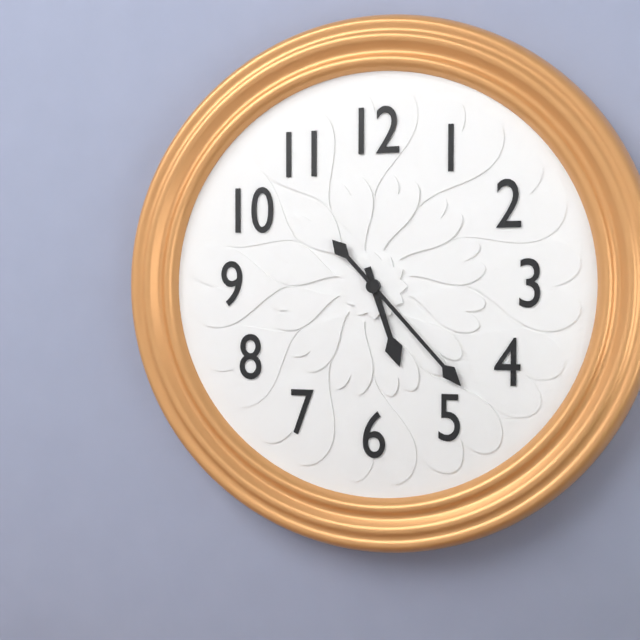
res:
5.23
